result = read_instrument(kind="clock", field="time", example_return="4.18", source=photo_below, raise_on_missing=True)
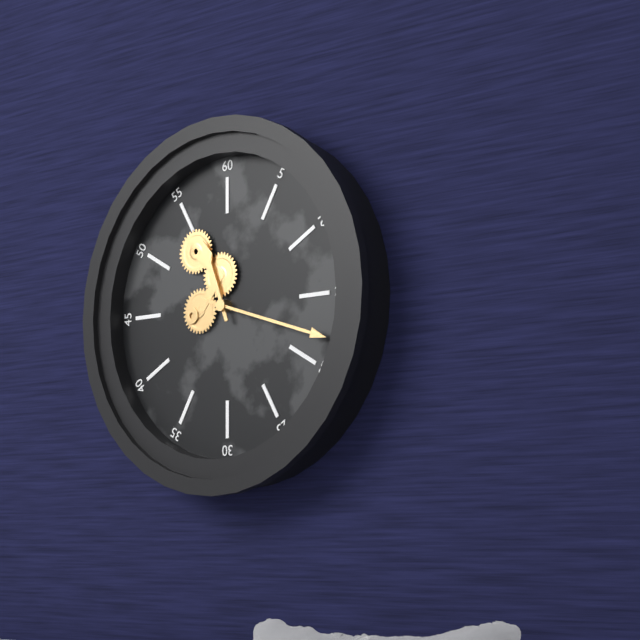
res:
11.18
